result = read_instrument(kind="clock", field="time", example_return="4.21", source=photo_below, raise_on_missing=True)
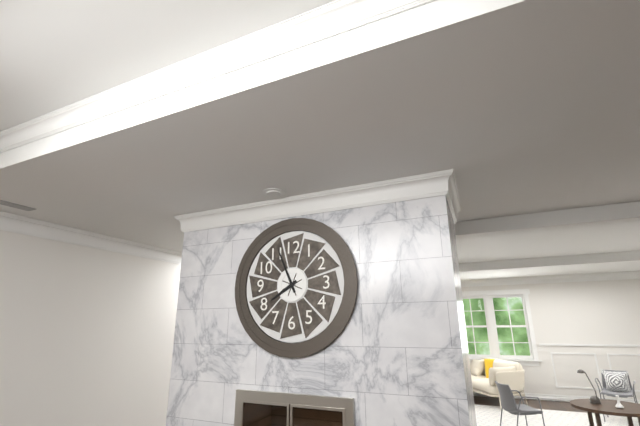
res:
7.56
